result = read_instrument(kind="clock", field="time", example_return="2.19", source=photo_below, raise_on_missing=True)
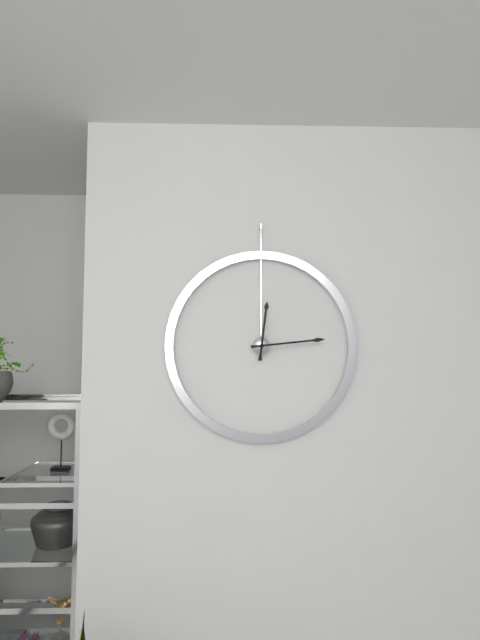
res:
12.14
